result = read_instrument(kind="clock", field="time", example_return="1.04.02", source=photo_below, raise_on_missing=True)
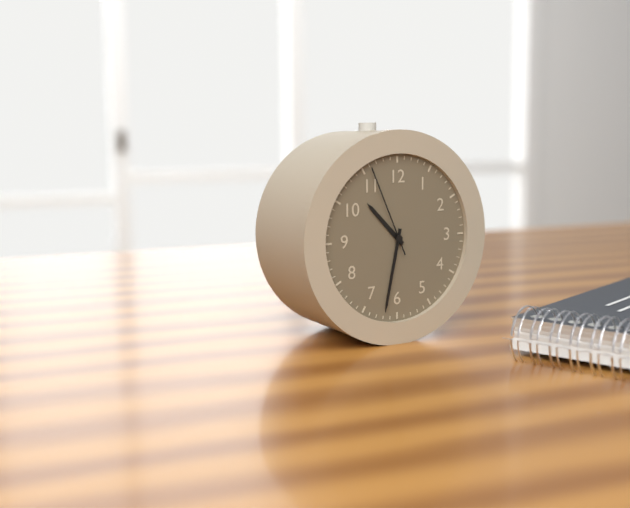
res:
10.32.56
